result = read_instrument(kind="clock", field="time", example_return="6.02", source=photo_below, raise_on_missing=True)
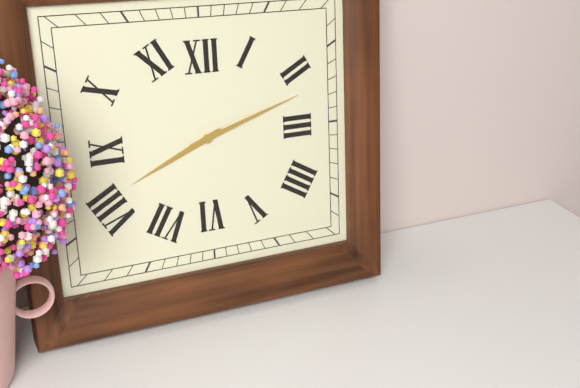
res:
8.12
